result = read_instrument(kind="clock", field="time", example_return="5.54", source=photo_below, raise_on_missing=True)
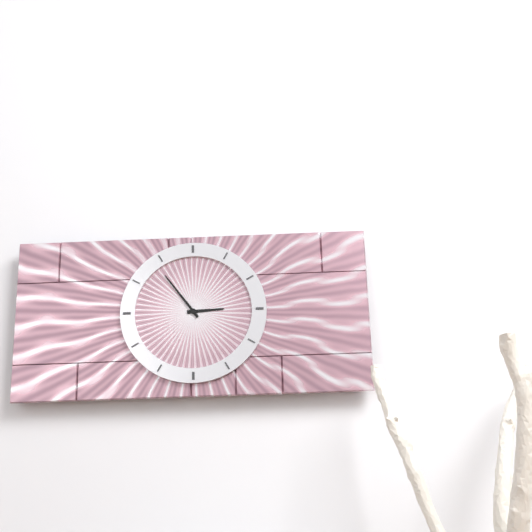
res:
2.54
